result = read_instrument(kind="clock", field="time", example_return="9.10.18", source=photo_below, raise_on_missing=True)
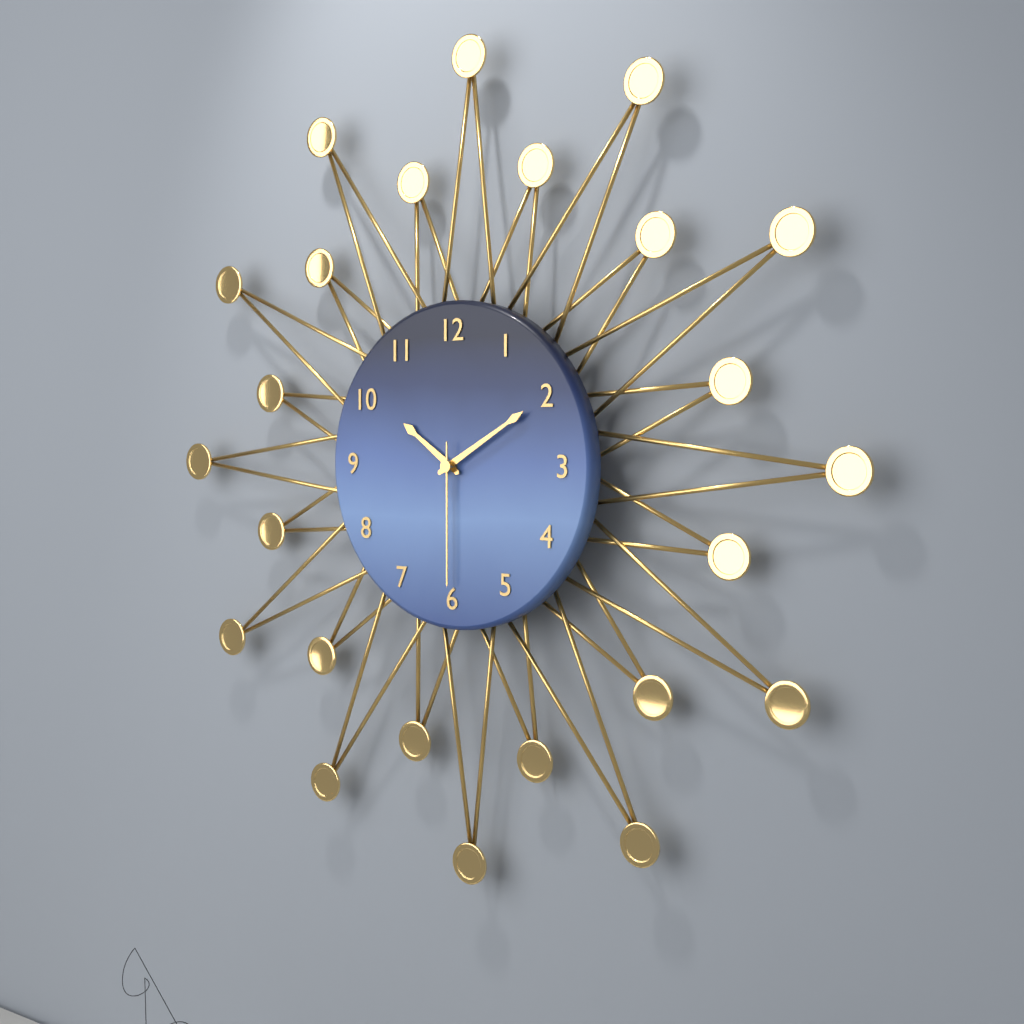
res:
10.10.30
